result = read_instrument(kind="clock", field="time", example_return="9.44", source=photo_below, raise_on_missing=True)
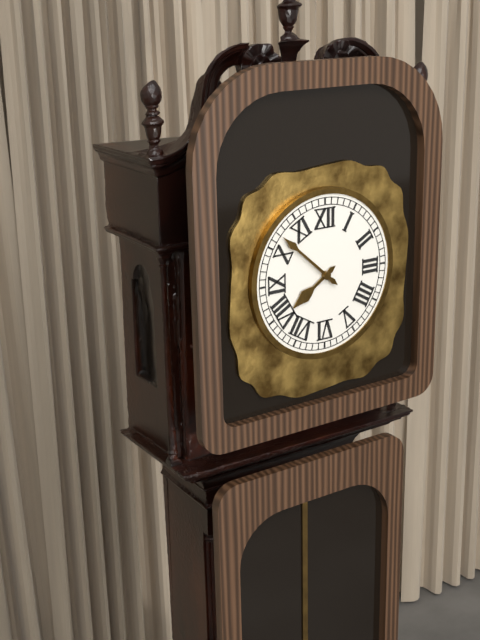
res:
7.52
